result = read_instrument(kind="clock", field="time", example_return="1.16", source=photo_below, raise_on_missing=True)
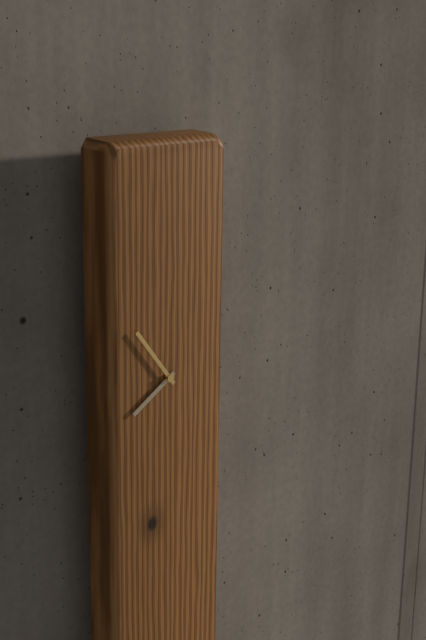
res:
7.54
